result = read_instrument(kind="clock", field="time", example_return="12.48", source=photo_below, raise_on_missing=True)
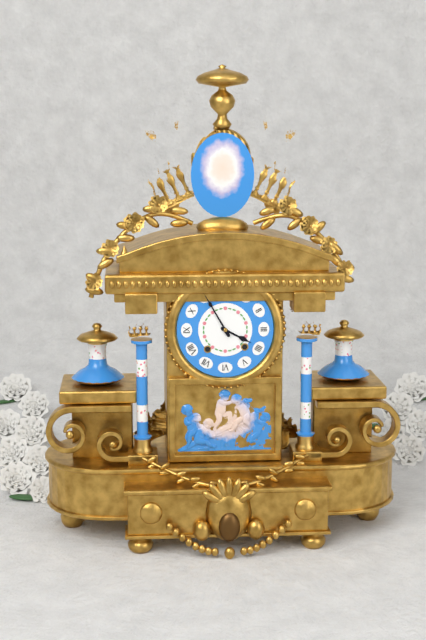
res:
3.55
